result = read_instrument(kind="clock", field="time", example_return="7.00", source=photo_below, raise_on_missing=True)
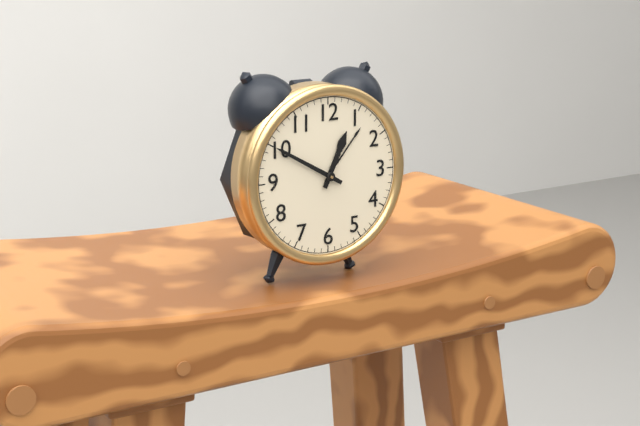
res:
12.50
